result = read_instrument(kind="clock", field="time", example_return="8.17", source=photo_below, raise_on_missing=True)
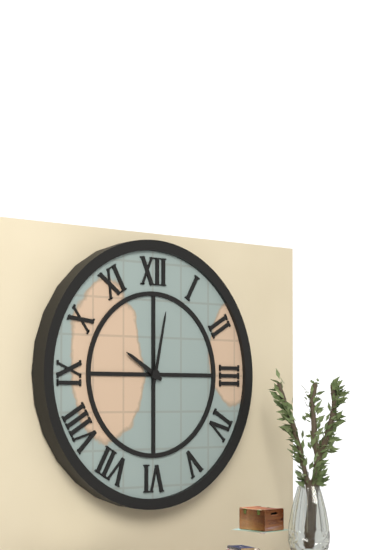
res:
10.02
